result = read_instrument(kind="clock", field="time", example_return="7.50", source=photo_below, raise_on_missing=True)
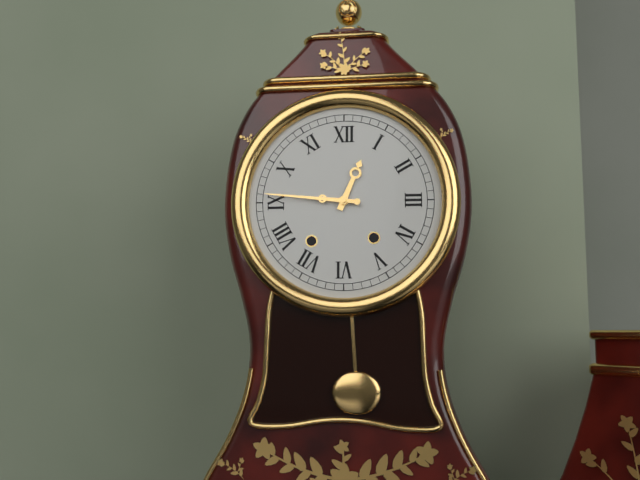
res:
12.46
